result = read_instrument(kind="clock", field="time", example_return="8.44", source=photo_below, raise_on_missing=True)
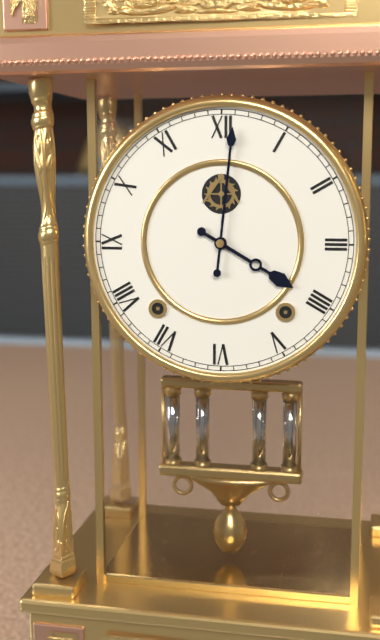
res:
4.01
